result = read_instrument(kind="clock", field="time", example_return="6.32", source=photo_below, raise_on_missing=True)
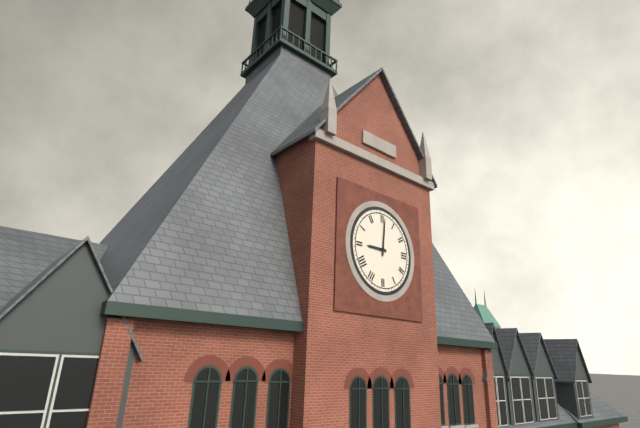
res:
9.01
